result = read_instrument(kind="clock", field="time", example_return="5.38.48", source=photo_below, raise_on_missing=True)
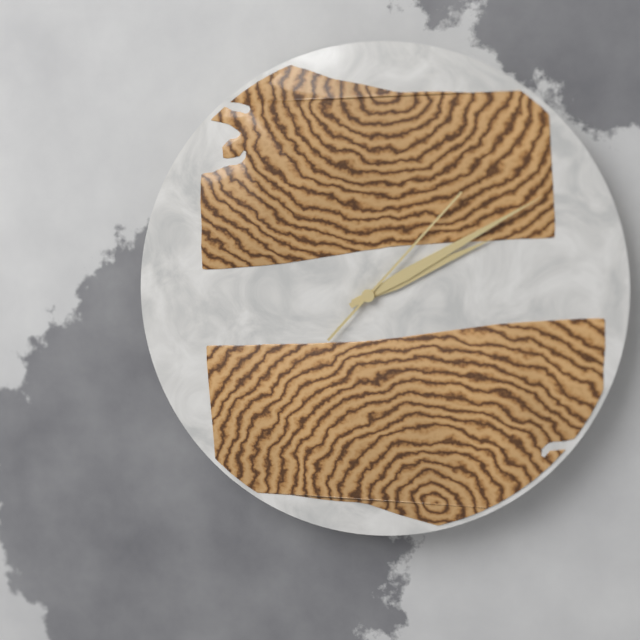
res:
2.10.07
